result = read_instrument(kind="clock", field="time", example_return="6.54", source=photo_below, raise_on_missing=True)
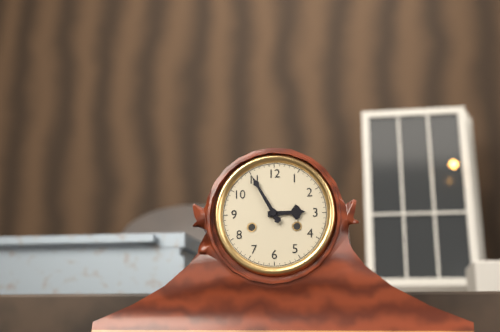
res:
2.55
